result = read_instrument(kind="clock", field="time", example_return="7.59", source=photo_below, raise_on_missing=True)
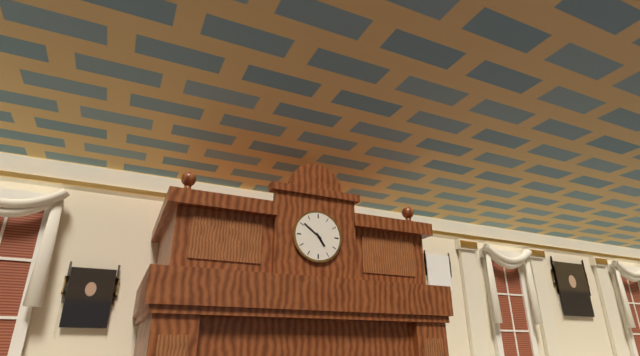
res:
4.51
